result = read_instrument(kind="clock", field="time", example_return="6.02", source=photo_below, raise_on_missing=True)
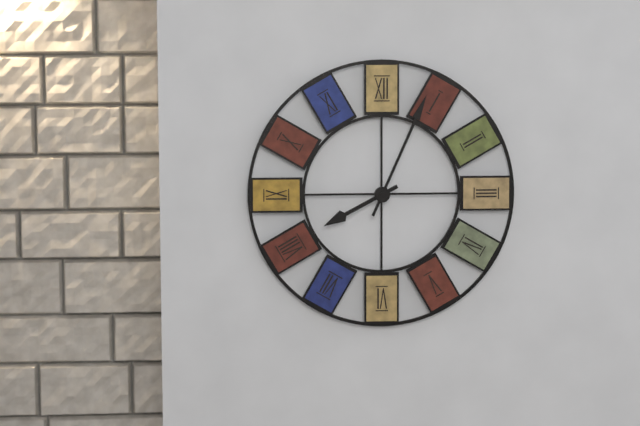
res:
8.04
